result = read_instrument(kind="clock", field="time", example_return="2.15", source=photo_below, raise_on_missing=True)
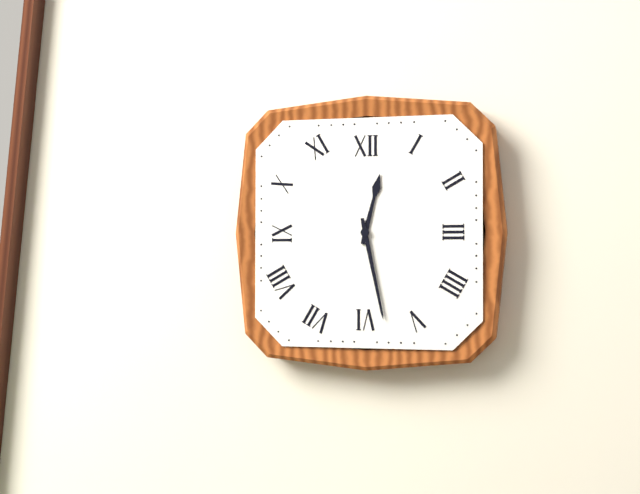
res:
12.28
